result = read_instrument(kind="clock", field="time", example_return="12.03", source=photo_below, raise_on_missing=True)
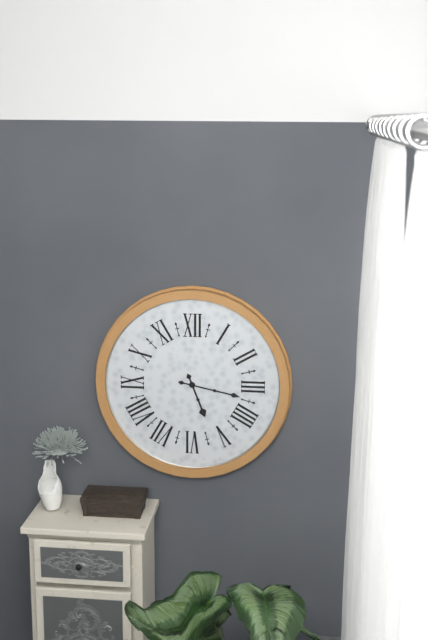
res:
5.17
